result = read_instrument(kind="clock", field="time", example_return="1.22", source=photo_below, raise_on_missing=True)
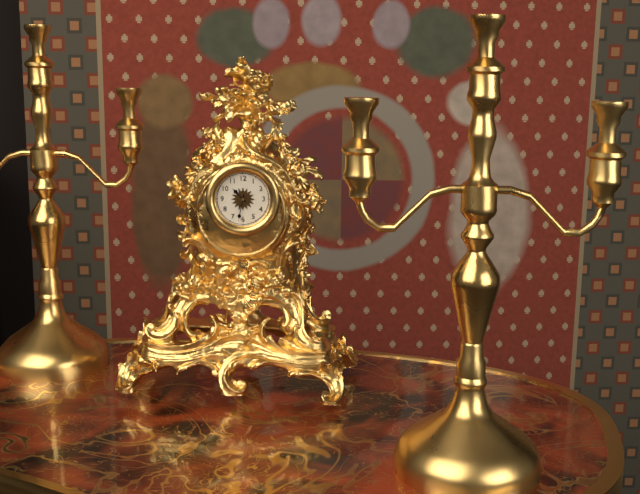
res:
10.32
